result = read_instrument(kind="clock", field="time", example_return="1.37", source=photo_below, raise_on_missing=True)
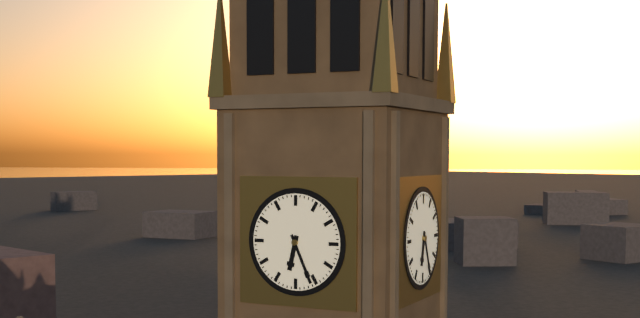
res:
6.26
